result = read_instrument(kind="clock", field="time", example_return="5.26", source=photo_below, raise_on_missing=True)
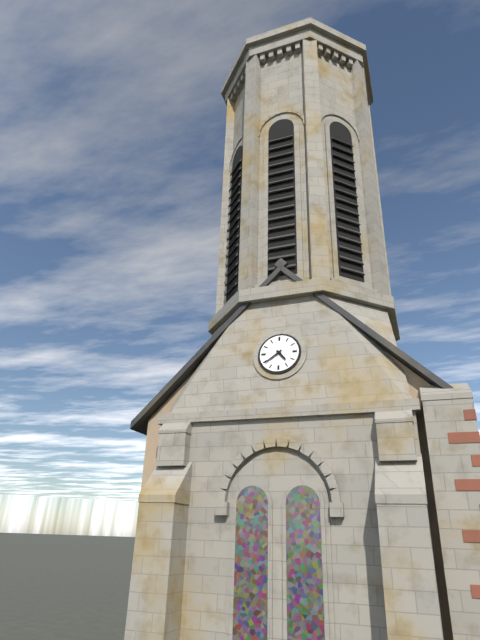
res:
4.39
